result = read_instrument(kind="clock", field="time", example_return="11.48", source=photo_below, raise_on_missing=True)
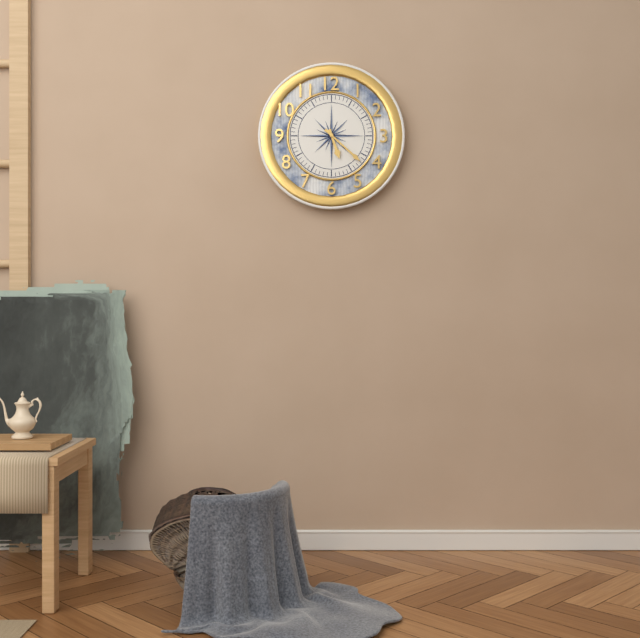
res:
5.22
